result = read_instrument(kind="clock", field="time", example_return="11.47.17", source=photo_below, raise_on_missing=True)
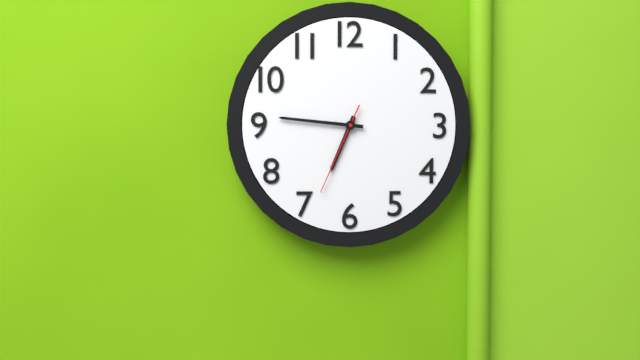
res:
6.46.34
